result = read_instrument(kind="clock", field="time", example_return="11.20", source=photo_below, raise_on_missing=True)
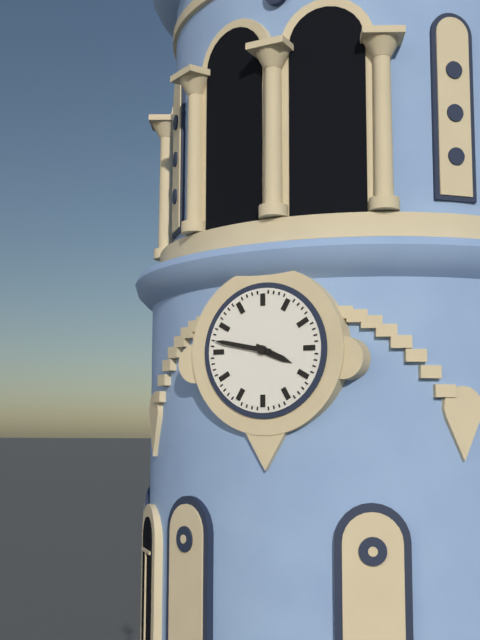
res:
3.47
